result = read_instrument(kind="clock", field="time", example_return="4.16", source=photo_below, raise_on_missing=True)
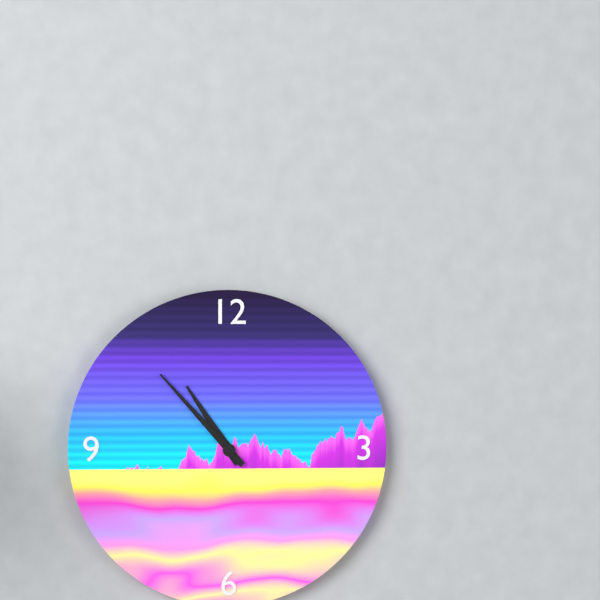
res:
10.53
